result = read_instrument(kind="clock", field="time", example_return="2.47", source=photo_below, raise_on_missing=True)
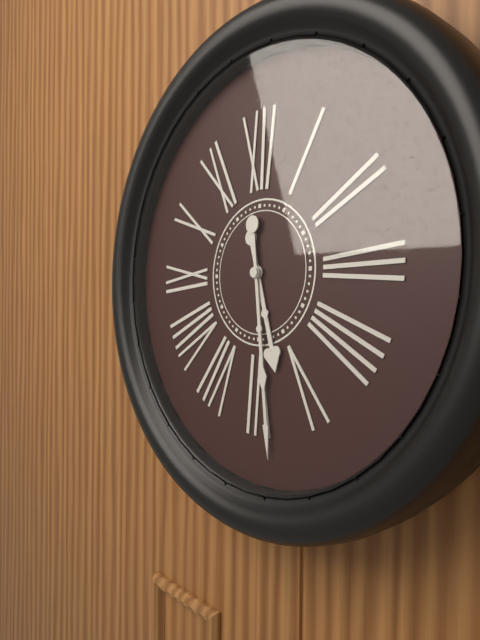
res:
5.29
